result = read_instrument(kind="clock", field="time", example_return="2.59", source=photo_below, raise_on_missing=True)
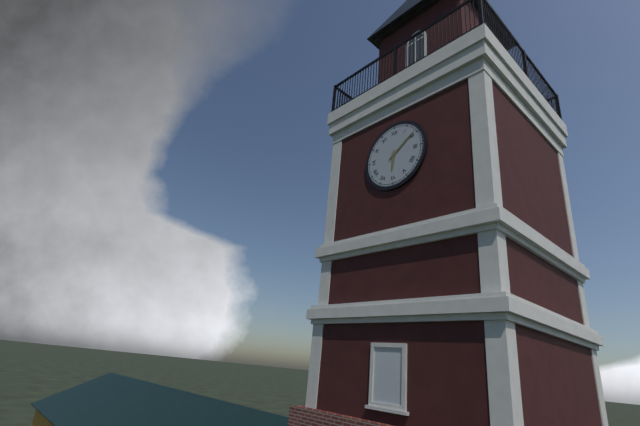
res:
6.09
